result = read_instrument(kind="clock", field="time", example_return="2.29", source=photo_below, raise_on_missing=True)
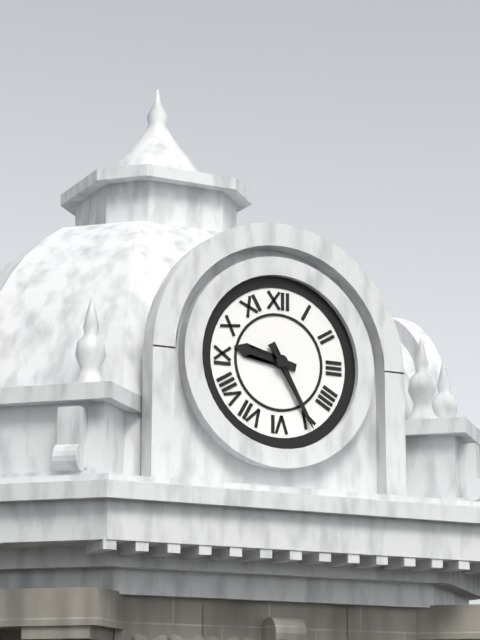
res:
9.25
